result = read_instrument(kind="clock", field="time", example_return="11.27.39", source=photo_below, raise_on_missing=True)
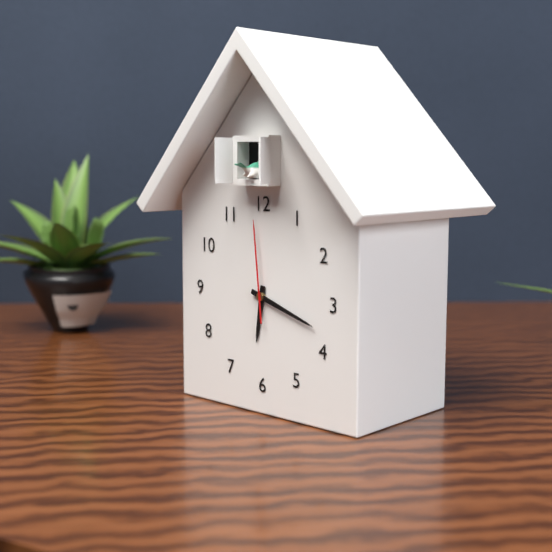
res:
6.18.59
